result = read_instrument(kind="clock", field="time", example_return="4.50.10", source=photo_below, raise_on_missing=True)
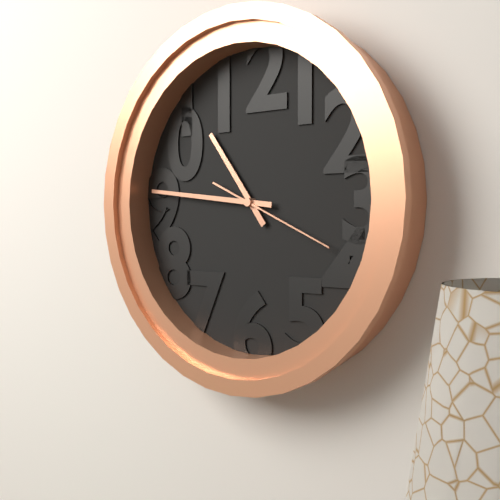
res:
10.46.19
